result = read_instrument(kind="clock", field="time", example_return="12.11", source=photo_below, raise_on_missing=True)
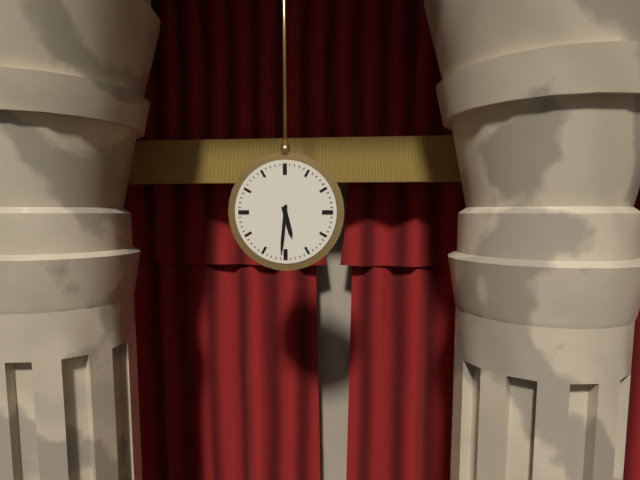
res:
5.31
